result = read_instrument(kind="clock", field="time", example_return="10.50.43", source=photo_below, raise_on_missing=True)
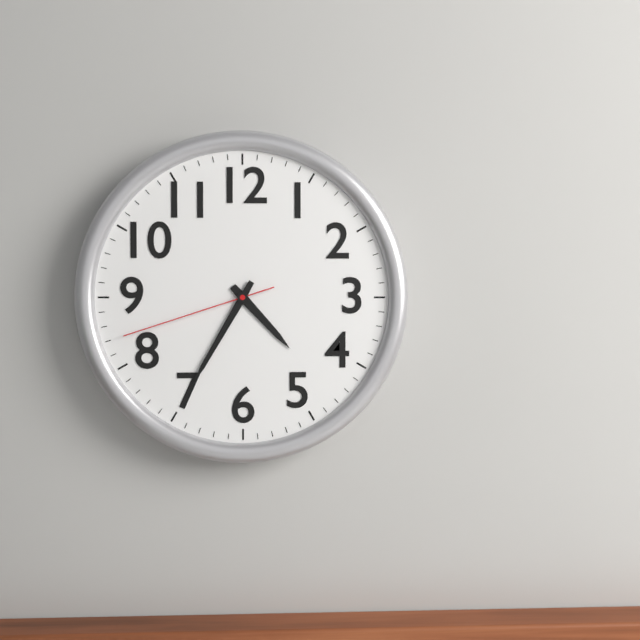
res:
4.35.42
